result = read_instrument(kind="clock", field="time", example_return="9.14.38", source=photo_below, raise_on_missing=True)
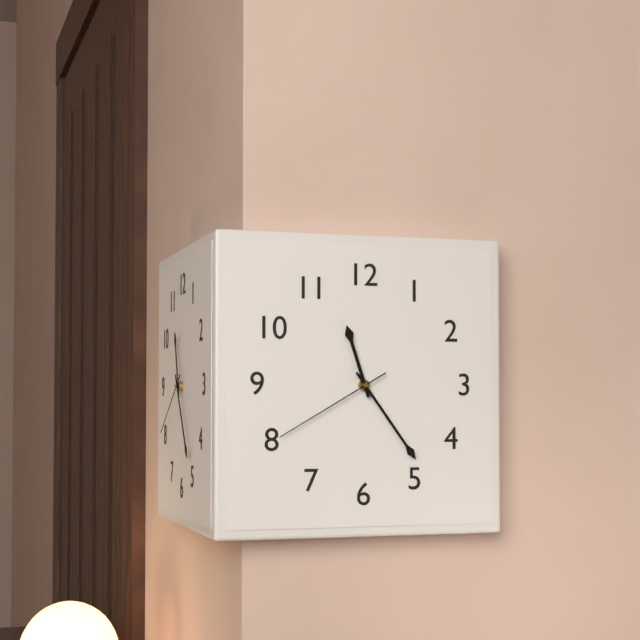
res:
11.24.40
